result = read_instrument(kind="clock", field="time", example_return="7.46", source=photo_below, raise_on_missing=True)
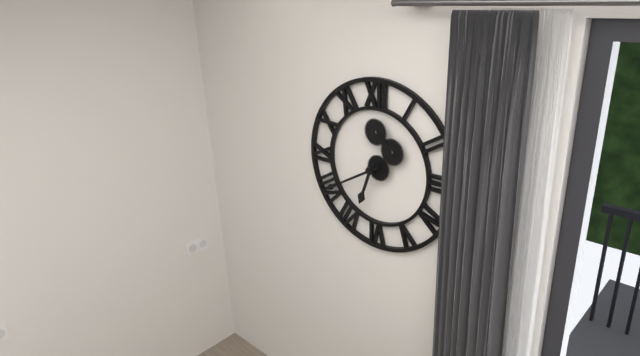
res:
6.40
